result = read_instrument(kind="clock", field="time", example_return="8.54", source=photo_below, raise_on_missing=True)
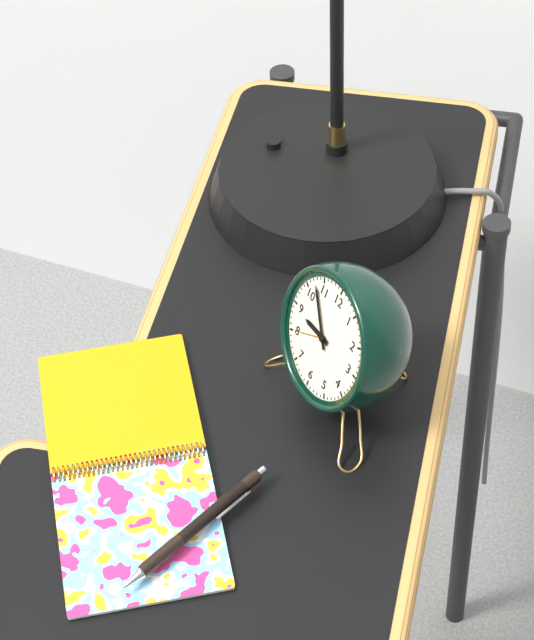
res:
8.53
